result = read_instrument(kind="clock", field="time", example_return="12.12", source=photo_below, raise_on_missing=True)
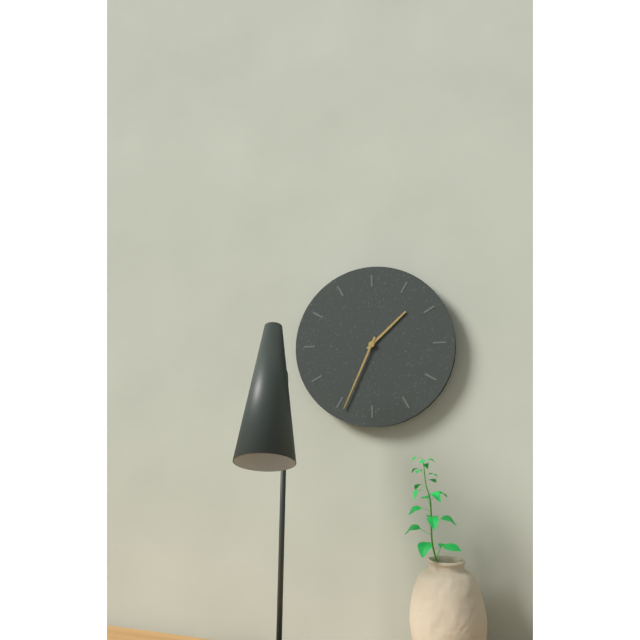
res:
1.34
